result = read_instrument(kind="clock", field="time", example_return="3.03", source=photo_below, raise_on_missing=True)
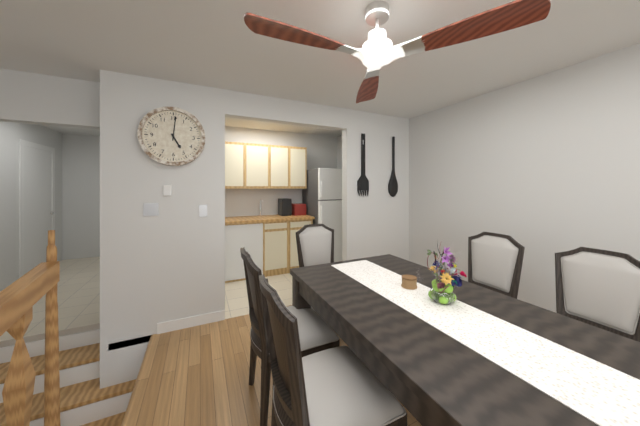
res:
5.01
